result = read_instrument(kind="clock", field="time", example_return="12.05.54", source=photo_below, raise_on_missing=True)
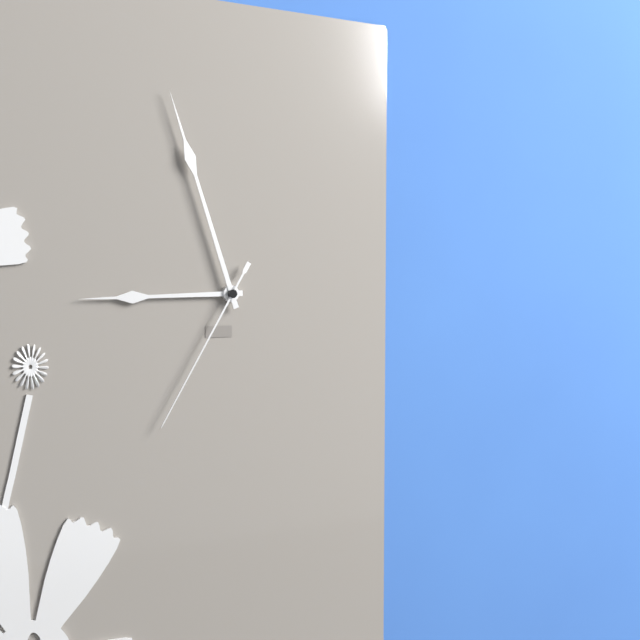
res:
8.57.35
